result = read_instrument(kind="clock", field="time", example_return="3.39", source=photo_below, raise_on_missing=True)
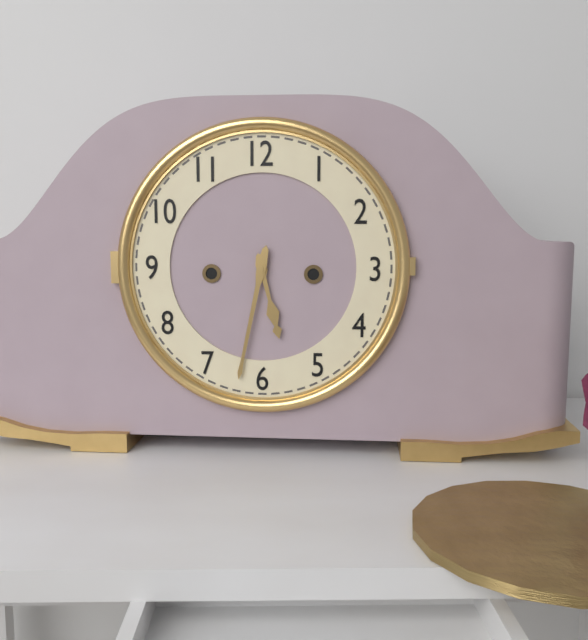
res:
5.32
